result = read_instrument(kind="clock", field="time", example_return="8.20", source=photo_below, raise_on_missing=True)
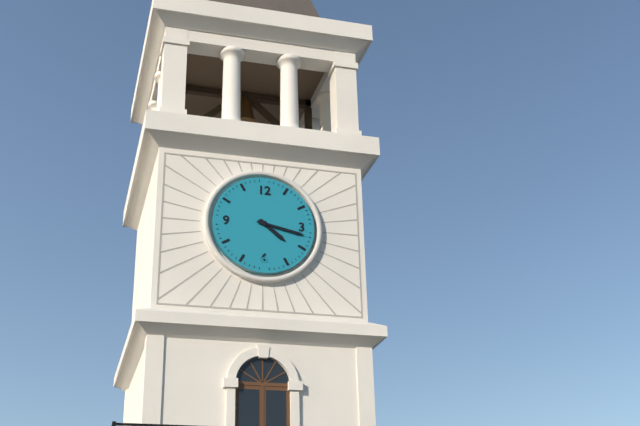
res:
4.17
